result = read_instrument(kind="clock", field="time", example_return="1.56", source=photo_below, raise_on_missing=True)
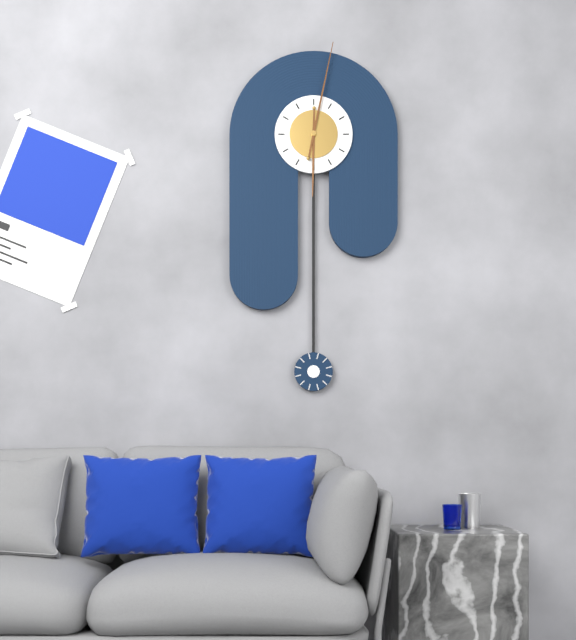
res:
6.02
